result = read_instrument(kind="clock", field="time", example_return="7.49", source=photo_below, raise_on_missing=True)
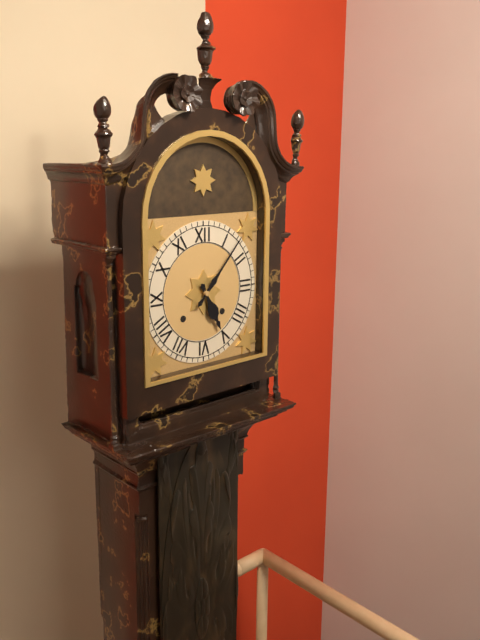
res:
5.07
